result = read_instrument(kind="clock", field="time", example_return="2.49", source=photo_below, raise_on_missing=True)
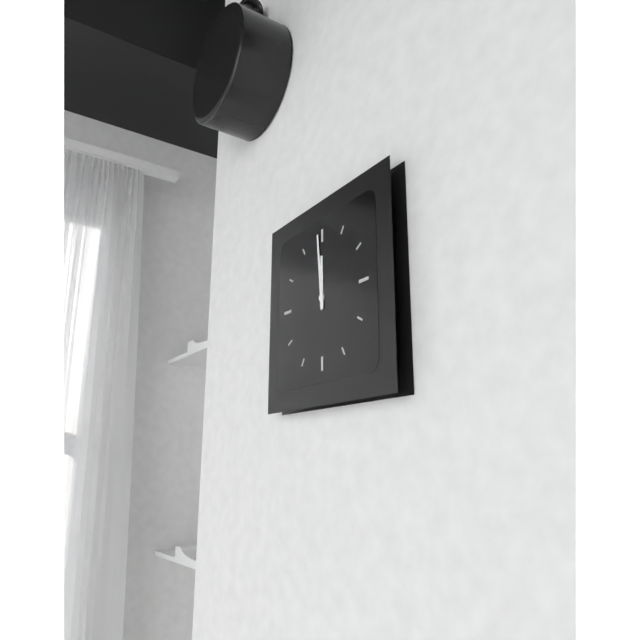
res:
11.59
